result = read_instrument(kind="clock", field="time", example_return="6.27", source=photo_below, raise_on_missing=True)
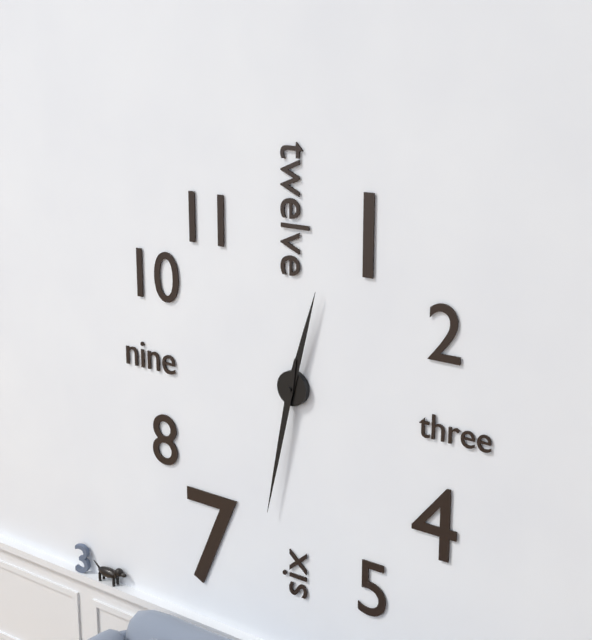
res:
12.32
